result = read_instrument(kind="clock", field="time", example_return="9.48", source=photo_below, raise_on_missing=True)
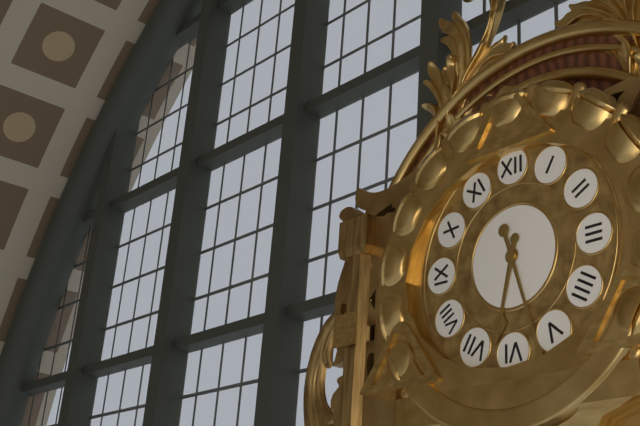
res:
6.27
